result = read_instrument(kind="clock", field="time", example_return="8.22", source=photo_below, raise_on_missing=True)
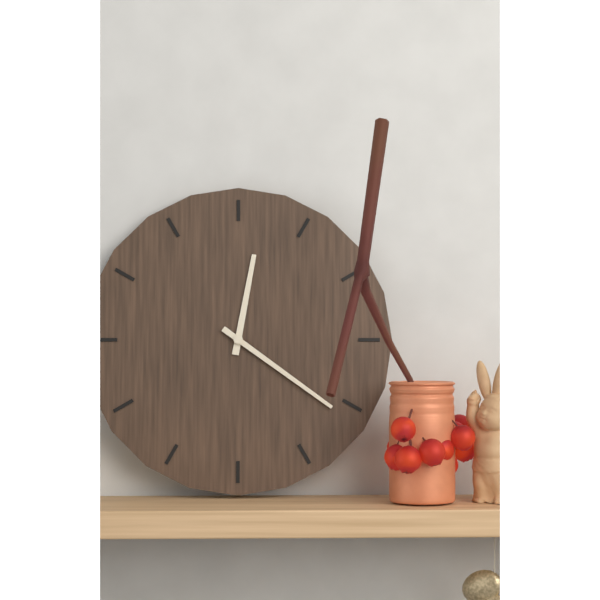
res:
12.21
